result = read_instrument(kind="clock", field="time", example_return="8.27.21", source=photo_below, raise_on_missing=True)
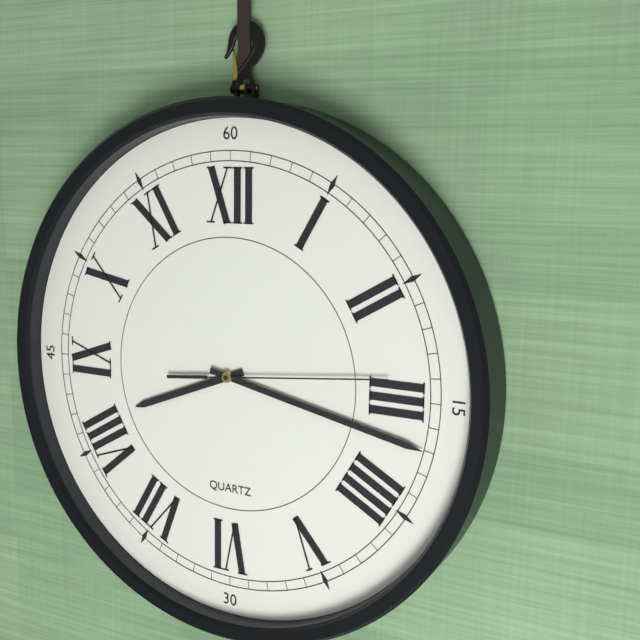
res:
8.17.14
